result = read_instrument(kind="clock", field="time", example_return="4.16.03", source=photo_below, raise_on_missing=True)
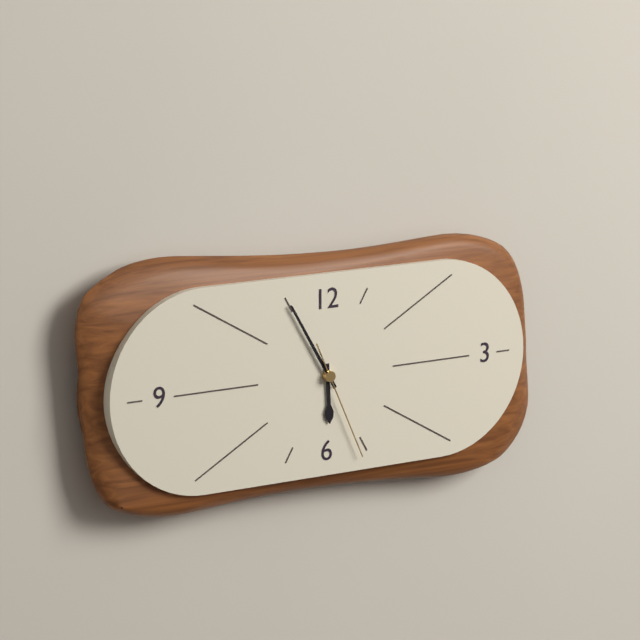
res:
5.55.26
